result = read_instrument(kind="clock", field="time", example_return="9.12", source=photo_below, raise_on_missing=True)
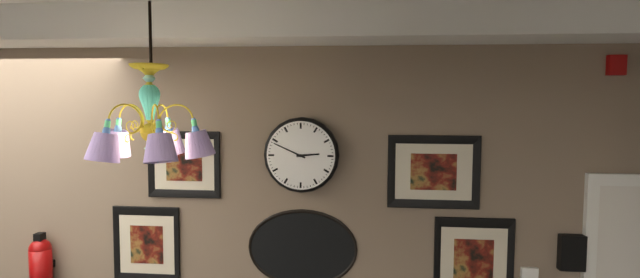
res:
2.49
